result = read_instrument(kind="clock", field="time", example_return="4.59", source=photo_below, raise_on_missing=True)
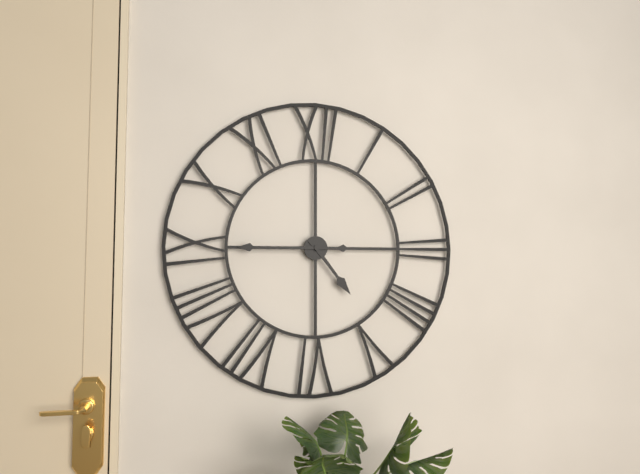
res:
4.45
